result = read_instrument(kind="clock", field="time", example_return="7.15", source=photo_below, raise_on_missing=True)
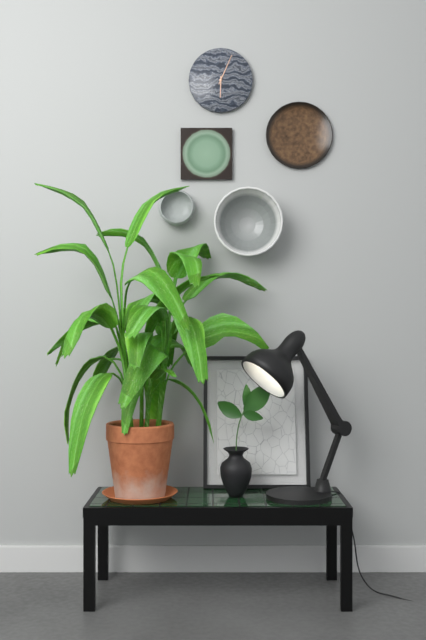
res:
6.04
